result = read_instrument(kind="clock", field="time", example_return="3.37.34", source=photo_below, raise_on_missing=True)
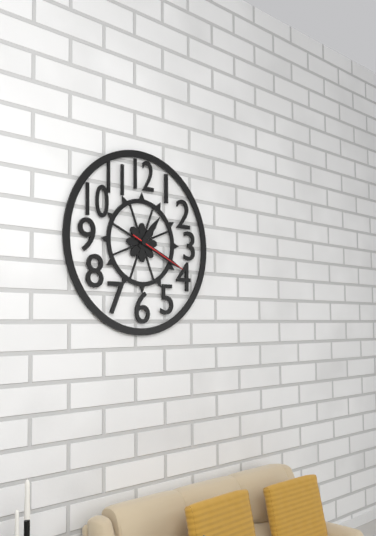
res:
1.19.19
